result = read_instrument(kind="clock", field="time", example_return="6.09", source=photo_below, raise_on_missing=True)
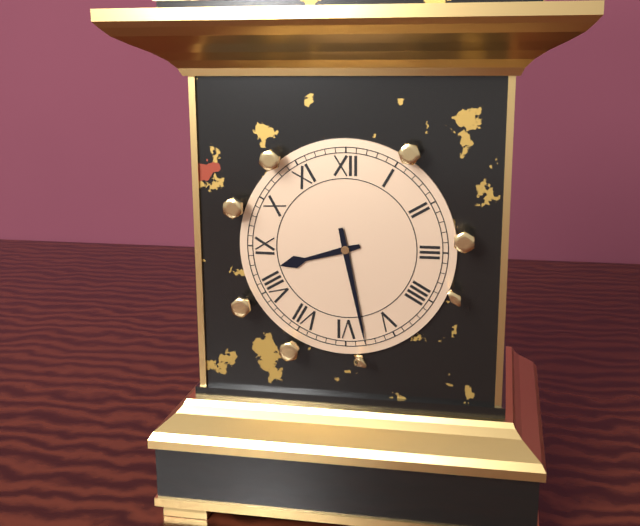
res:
8.28
